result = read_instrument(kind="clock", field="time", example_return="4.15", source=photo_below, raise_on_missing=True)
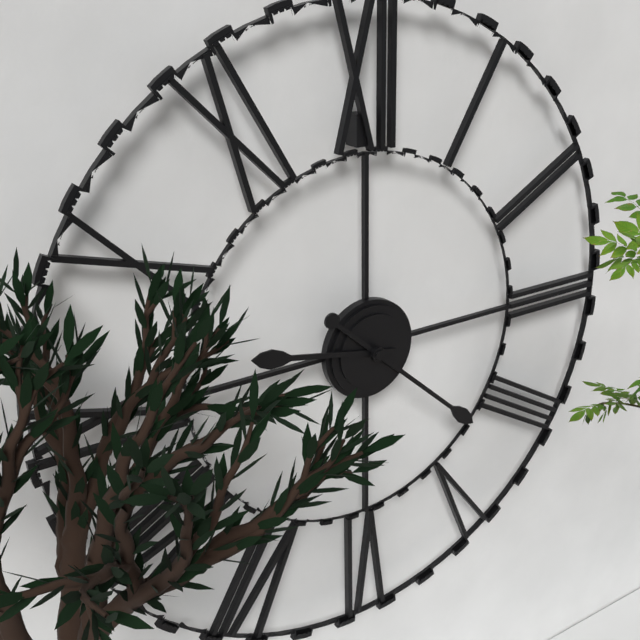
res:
9.22
